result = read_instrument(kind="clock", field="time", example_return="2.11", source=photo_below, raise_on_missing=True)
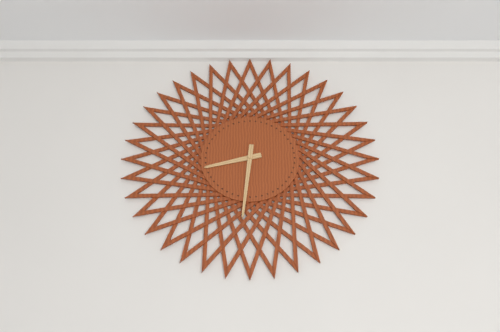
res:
8.31
